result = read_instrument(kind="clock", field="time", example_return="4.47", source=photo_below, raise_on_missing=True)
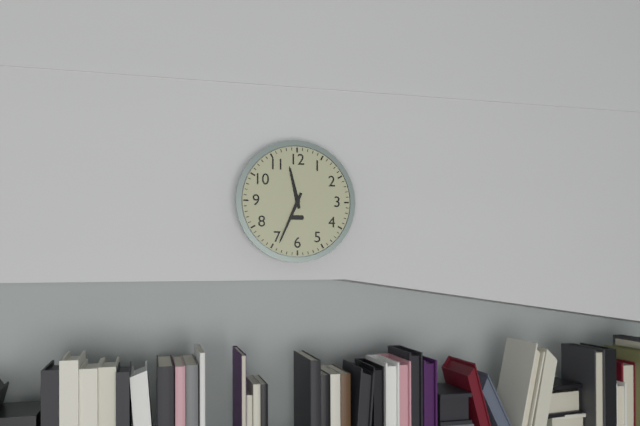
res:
11.34
